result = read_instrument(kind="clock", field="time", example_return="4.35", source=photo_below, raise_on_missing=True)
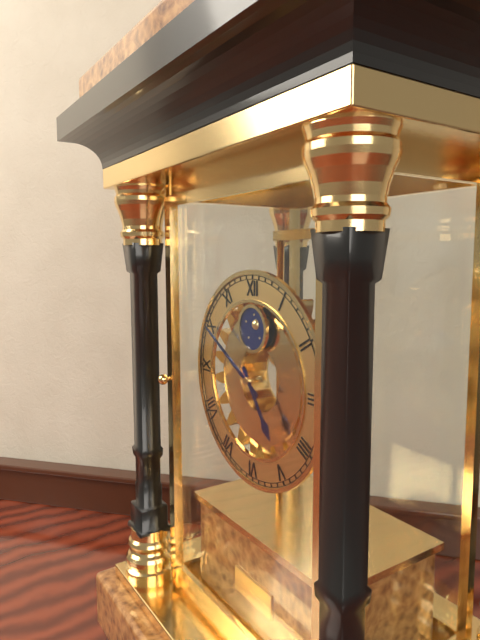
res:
4.50
